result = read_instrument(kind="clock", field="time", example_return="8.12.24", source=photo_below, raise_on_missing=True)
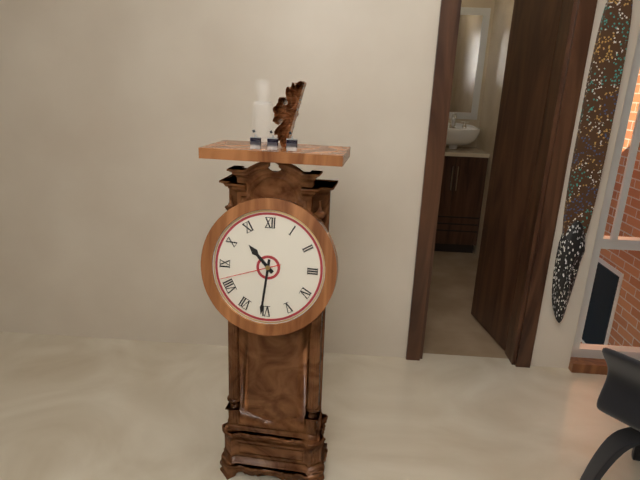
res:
10.31.42
